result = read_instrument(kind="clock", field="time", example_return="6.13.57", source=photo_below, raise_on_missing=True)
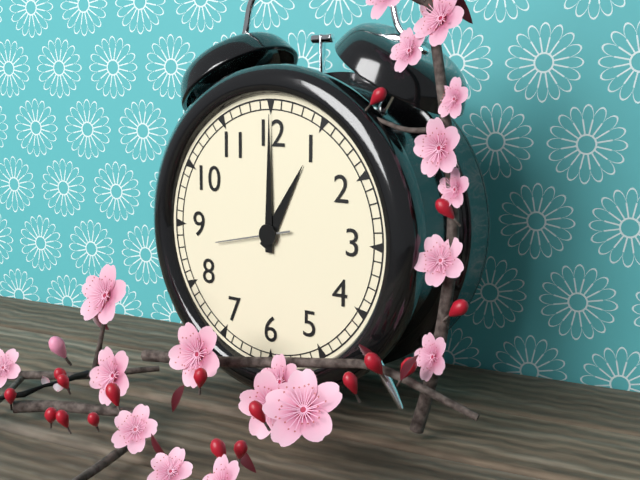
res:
1.00.43
